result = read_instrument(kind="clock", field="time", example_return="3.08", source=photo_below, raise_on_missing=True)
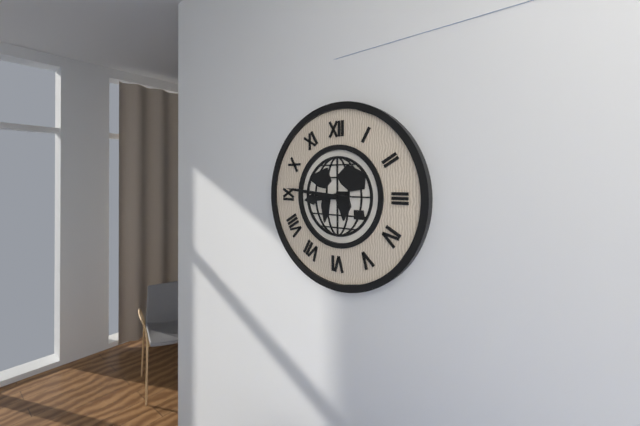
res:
8.46
